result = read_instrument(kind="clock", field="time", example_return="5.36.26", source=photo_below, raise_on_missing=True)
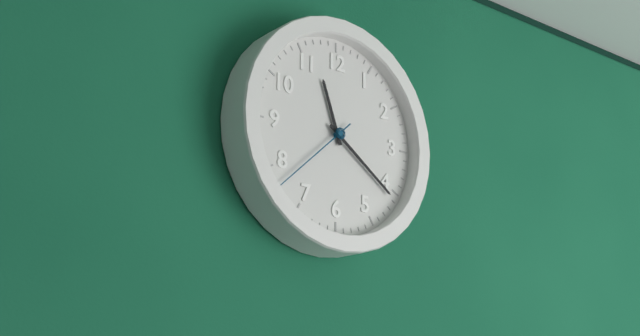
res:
11.21.38
